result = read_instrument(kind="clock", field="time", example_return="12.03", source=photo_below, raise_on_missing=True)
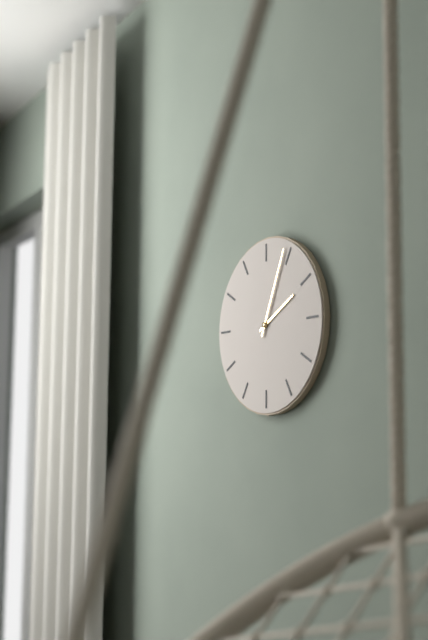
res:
2.04
